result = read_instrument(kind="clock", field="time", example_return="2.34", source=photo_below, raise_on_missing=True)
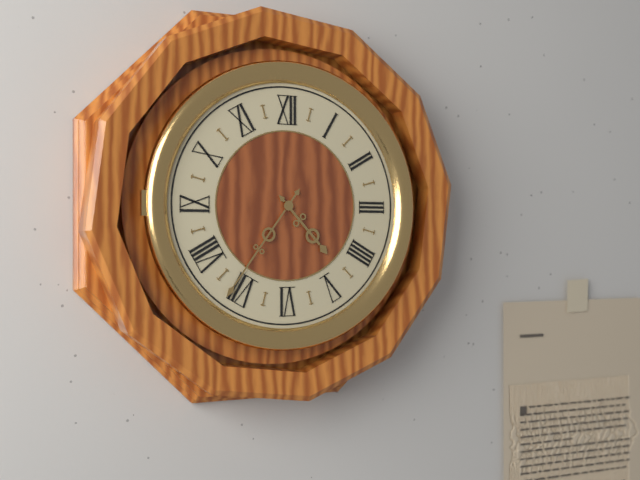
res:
4.36
